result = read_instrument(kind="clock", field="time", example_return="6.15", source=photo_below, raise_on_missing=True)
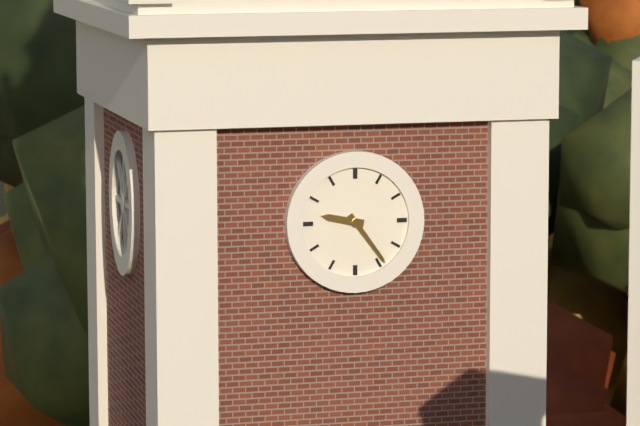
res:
9.24
